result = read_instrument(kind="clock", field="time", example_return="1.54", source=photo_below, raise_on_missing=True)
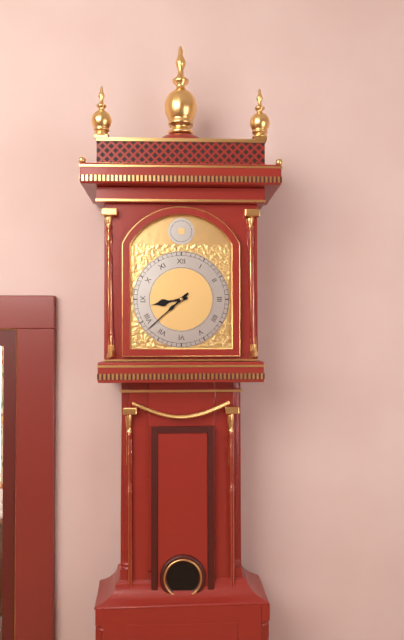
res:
8.38
